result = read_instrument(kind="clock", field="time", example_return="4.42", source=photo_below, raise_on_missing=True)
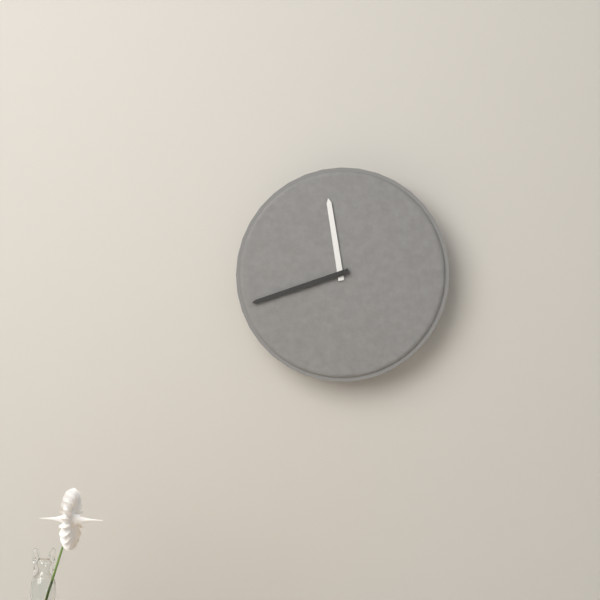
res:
11.42
